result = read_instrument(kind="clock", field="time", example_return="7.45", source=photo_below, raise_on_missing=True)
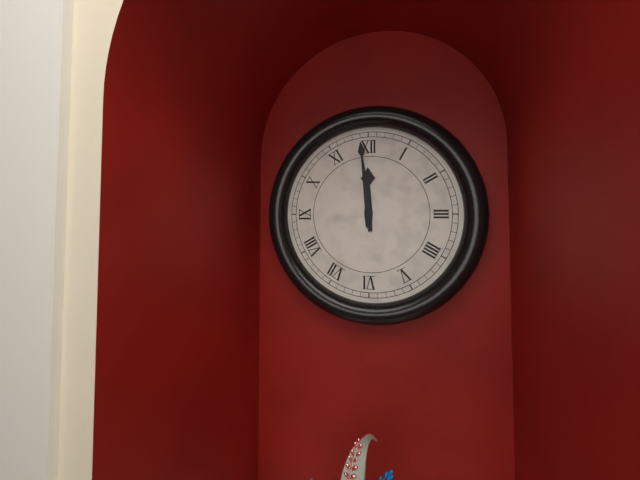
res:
11.59
